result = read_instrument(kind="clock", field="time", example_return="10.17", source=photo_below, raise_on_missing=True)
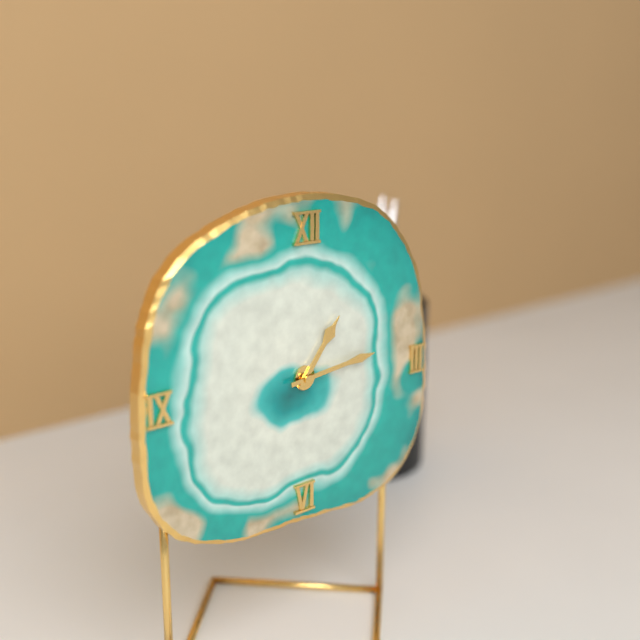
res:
1.14
